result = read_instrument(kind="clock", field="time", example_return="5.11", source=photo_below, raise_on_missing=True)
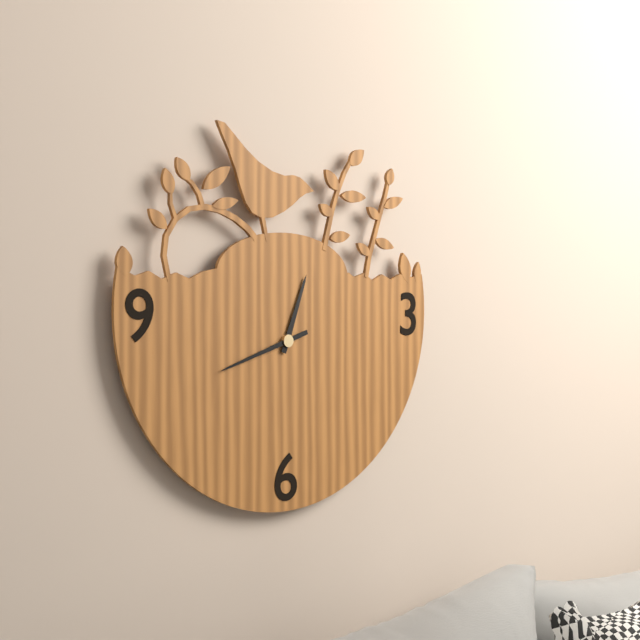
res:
12.42
